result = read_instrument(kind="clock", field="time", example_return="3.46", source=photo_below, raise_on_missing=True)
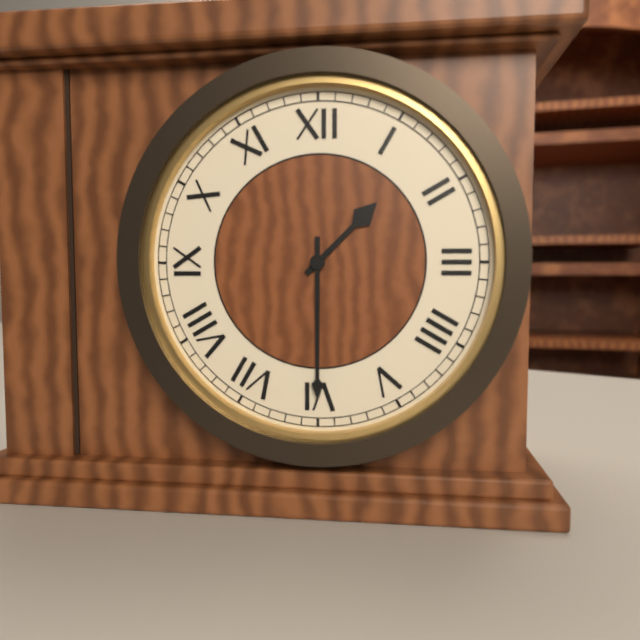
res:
1.30
